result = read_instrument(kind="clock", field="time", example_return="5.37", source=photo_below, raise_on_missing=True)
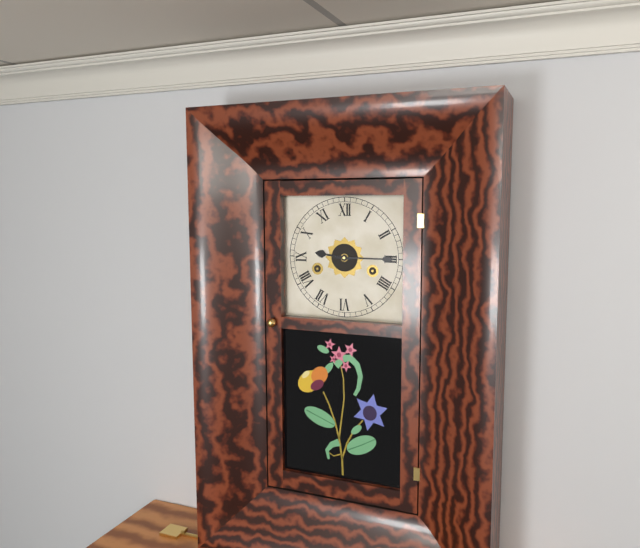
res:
9.15
